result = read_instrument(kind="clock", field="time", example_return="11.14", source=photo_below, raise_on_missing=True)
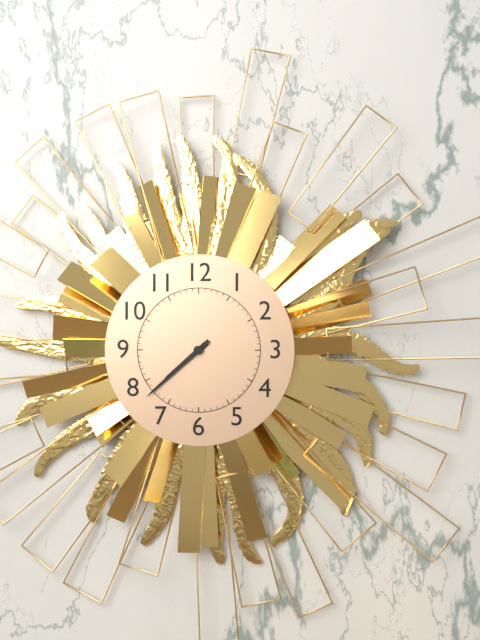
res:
7.38
